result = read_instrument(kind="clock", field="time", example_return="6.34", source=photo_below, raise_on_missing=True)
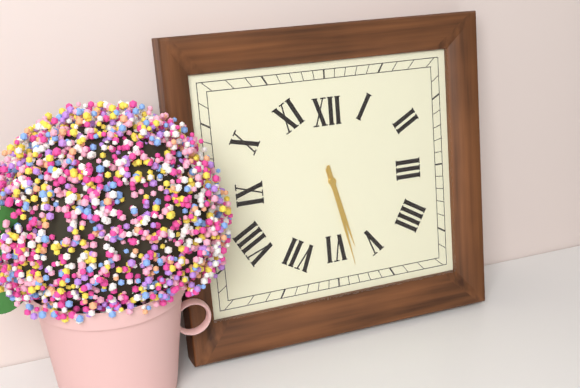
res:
5.28
